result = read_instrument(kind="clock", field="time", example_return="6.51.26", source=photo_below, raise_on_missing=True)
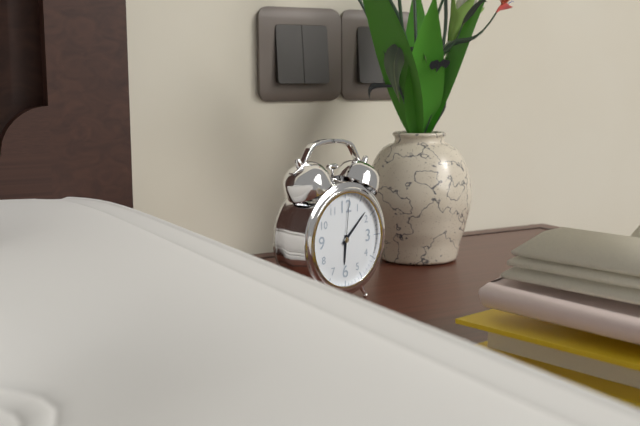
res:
6.08.01
